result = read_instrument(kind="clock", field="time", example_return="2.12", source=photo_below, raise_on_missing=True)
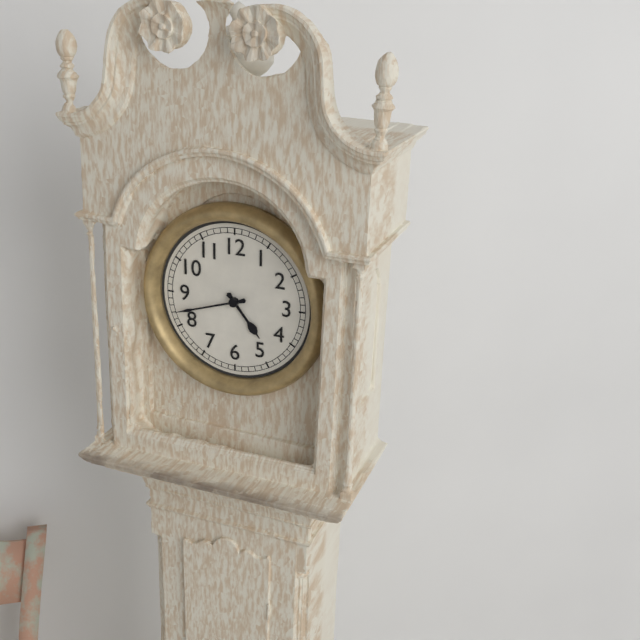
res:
4.42
